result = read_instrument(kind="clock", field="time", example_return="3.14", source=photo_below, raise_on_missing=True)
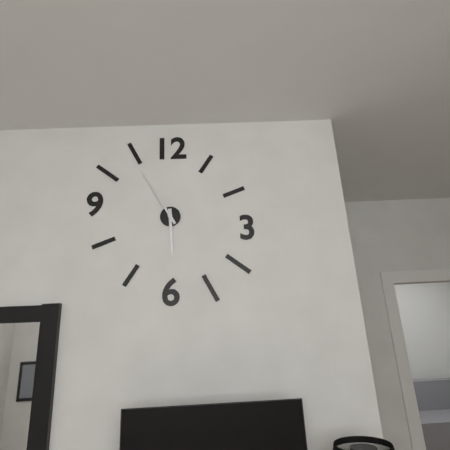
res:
5.55
